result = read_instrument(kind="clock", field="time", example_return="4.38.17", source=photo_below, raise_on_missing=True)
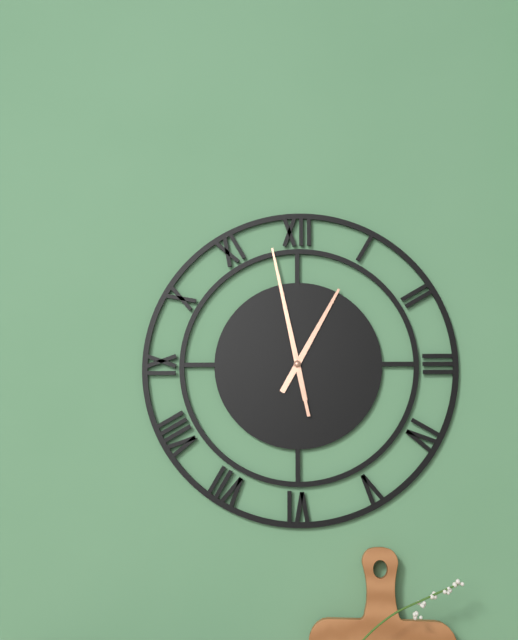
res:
12.58.58
